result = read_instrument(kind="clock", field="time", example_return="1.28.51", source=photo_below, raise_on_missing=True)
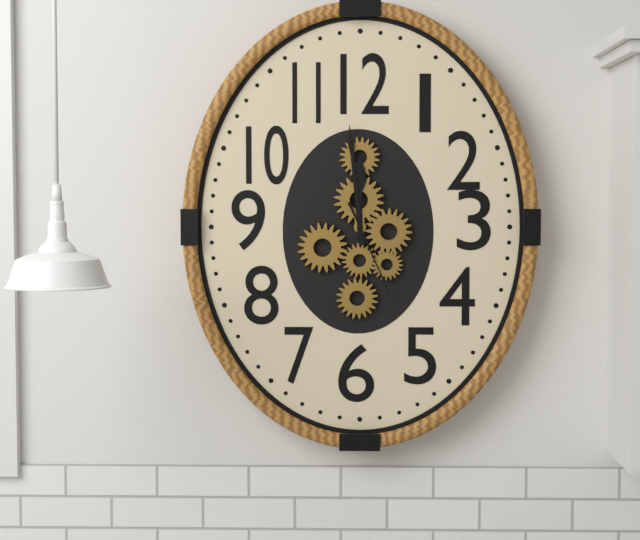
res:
11.59.26
